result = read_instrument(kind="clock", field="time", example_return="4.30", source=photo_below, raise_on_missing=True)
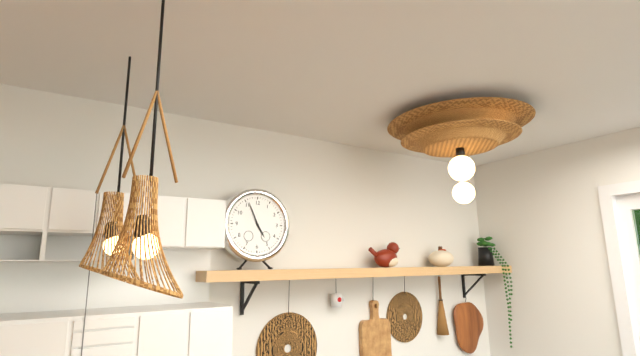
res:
4.56
